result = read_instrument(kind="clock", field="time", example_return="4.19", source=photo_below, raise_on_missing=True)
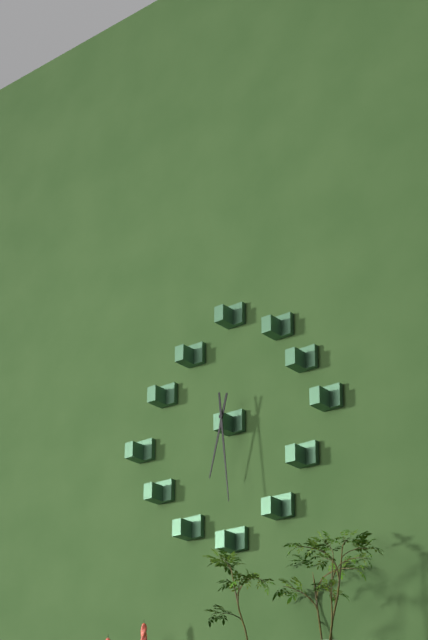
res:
6.29
